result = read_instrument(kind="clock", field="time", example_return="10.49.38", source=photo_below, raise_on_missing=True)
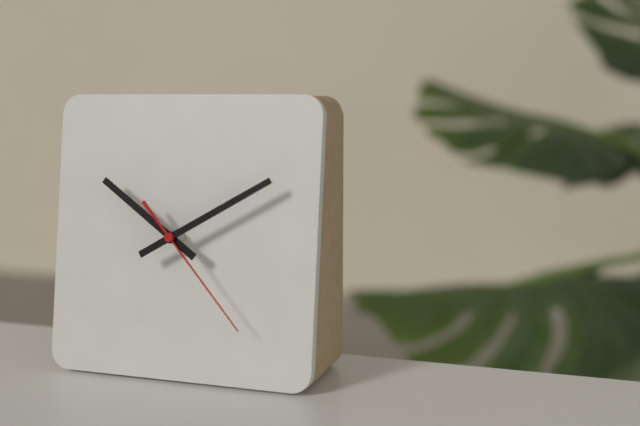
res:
10.10.23
